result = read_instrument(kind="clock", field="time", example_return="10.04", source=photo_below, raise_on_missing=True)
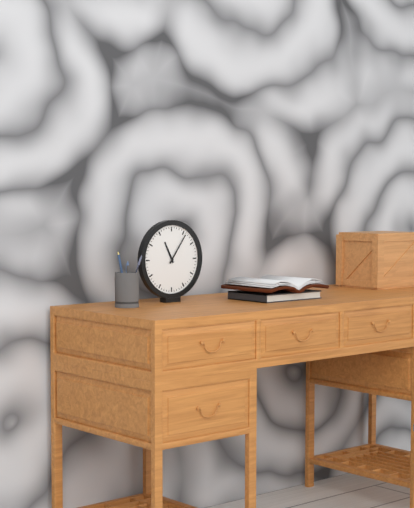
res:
11.06
